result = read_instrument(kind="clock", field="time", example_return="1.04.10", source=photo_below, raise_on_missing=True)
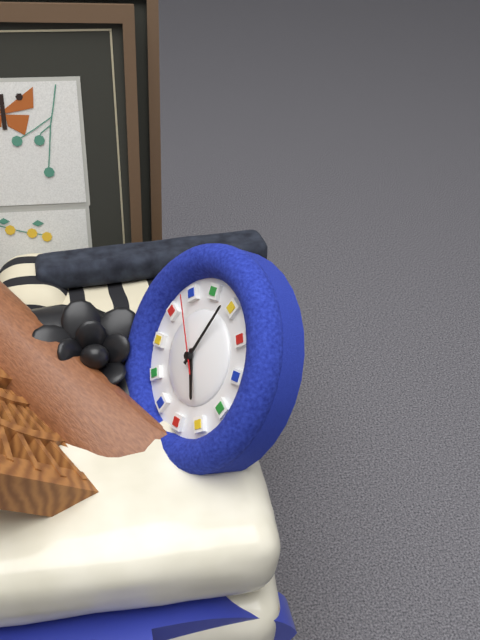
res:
6.09.59
